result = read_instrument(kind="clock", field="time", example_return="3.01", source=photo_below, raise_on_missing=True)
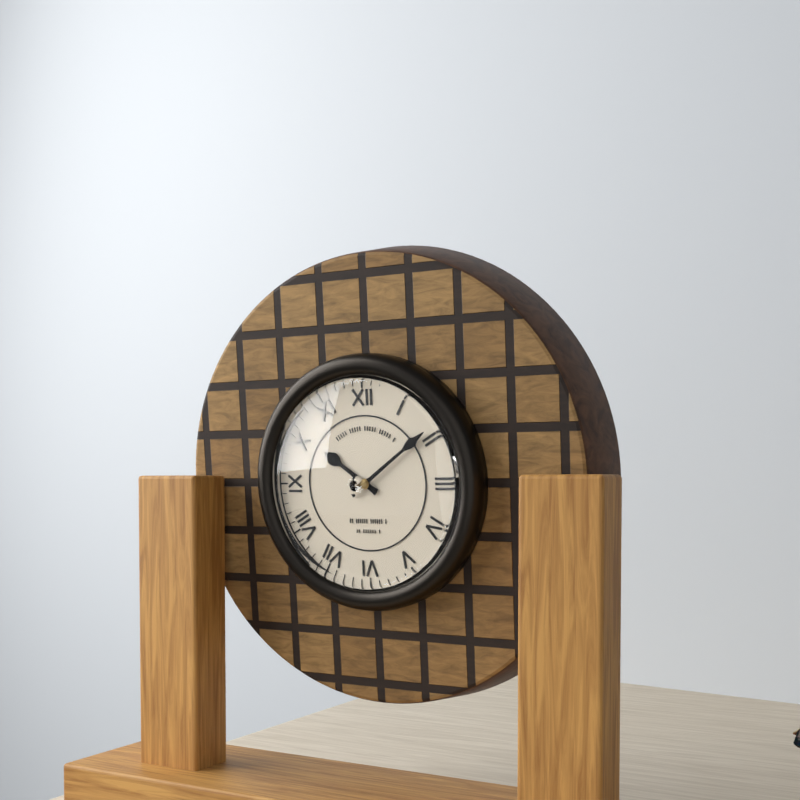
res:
10.09
